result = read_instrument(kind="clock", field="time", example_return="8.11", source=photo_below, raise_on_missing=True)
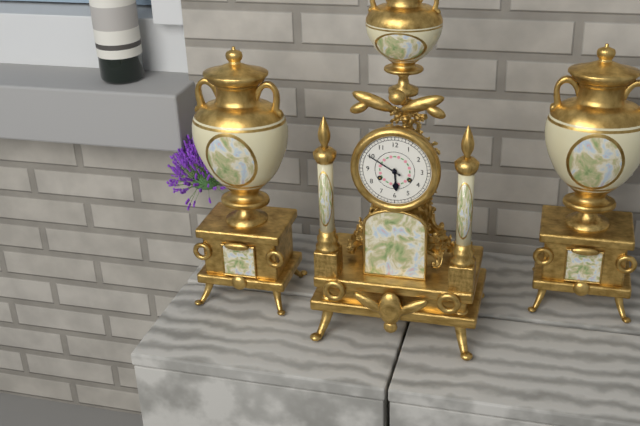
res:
5.50
